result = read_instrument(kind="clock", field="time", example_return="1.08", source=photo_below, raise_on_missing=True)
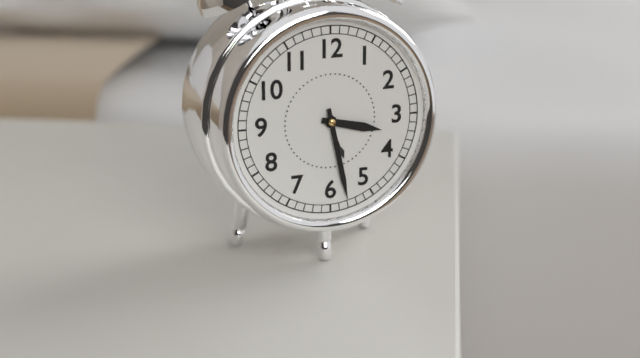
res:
3.28
